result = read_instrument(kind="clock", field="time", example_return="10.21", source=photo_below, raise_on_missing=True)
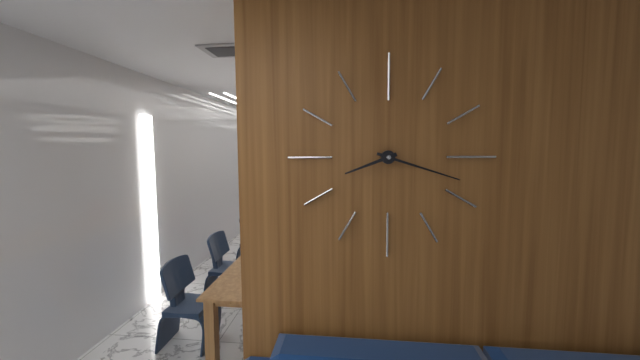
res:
8.18
